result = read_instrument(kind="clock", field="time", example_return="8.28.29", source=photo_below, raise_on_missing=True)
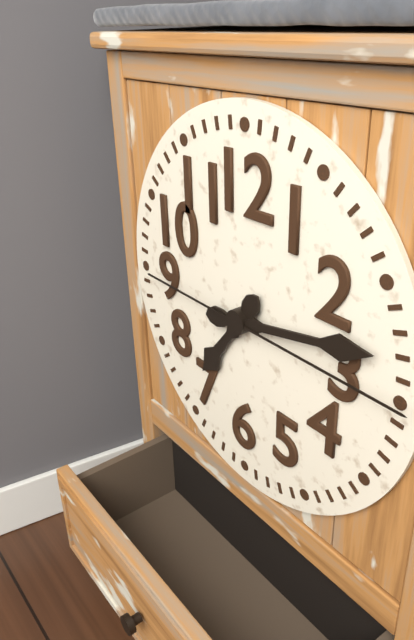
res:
7.13.15
